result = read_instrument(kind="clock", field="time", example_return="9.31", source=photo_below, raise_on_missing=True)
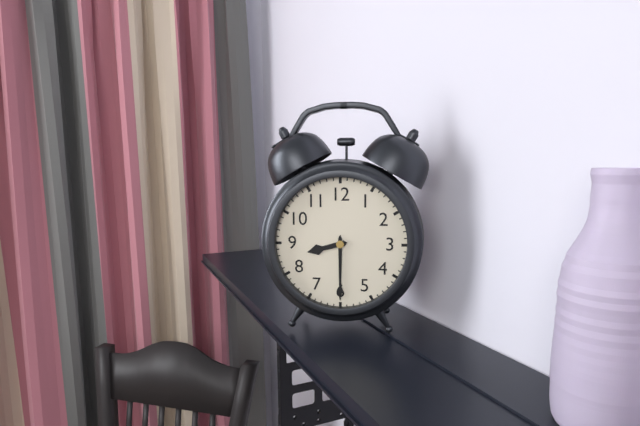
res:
8.30
